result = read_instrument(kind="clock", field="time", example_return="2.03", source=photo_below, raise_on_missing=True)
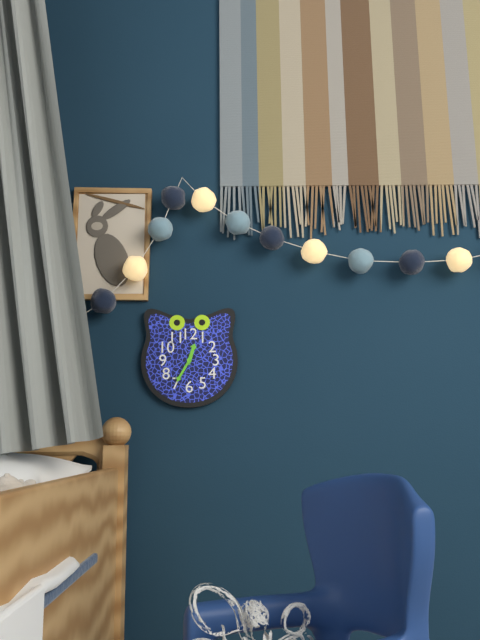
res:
12.35
